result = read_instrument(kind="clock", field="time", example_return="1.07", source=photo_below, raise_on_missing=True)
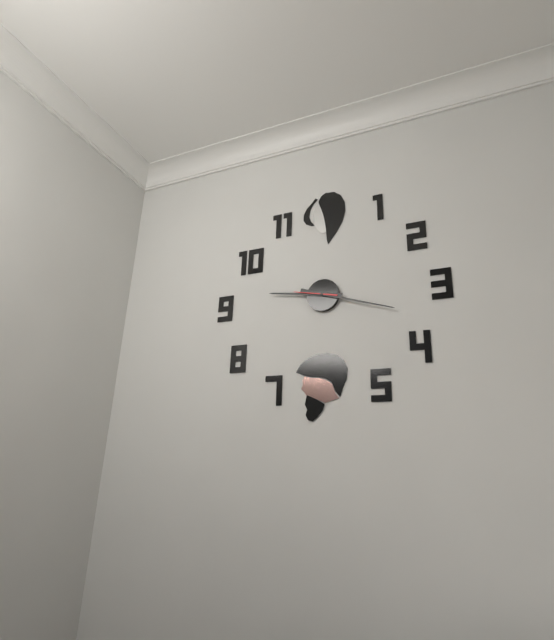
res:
9.18
